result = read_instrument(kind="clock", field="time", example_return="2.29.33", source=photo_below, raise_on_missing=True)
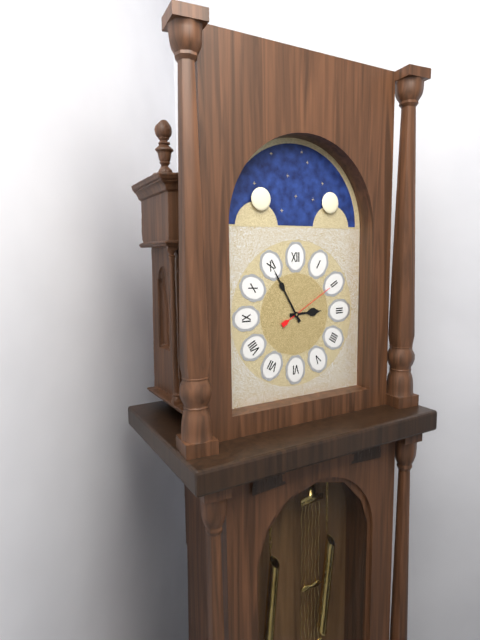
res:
2.55.10
